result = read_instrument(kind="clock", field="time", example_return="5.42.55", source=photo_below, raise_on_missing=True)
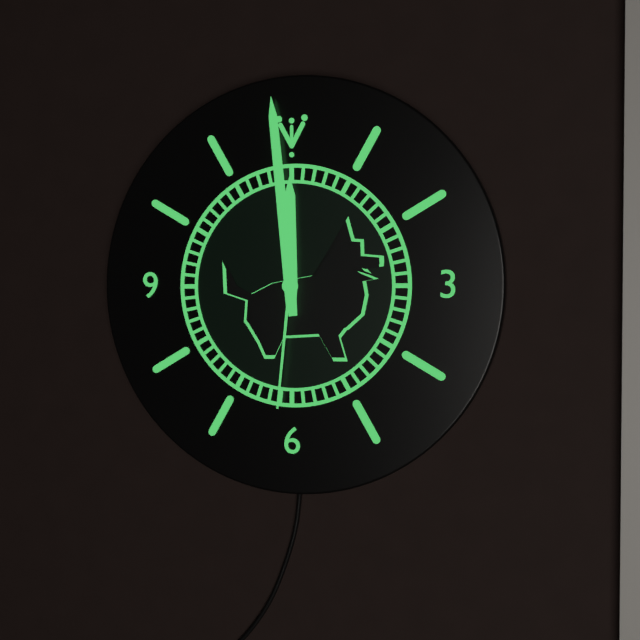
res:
11.59.31
